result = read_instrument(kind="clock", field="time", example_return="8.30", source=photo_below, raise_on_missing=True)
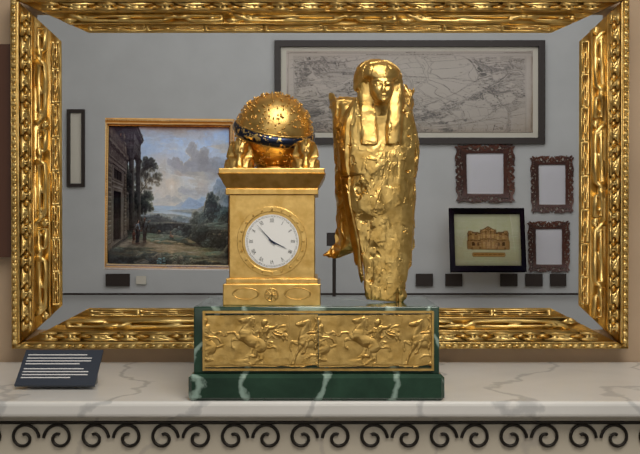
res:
3.53
